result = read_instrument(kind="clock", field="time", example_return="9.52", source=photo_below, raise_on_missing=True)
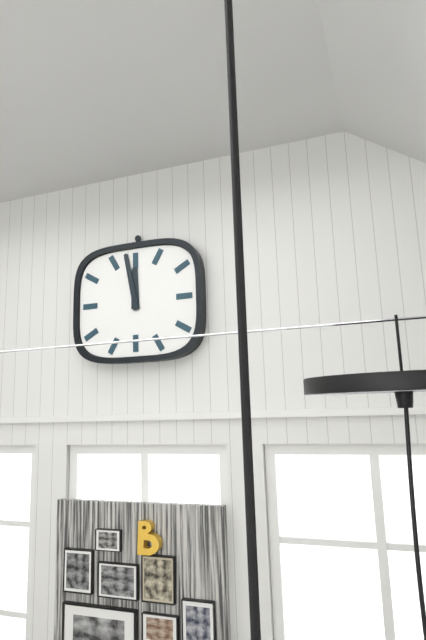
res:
11.58
